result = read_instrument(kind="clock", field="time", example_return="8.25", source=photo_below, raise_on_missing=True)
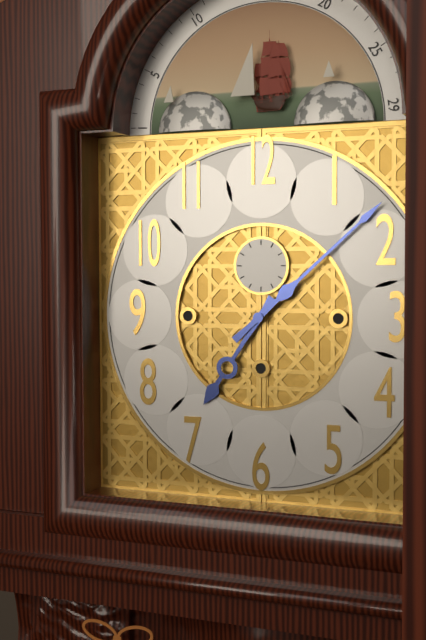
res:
7.08
